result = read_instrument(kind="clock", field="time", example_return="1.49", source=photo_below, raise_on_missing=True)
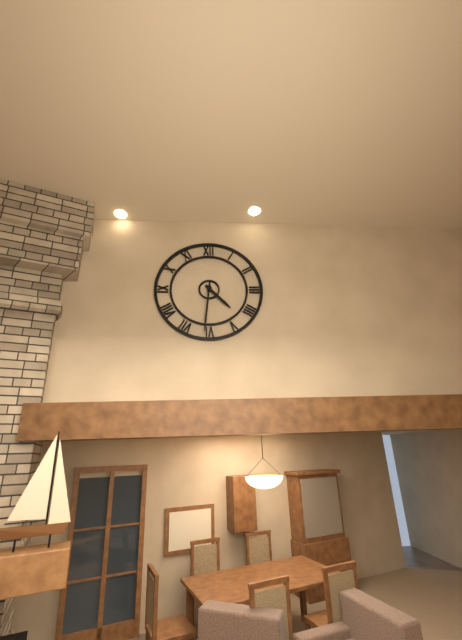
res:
4.31
